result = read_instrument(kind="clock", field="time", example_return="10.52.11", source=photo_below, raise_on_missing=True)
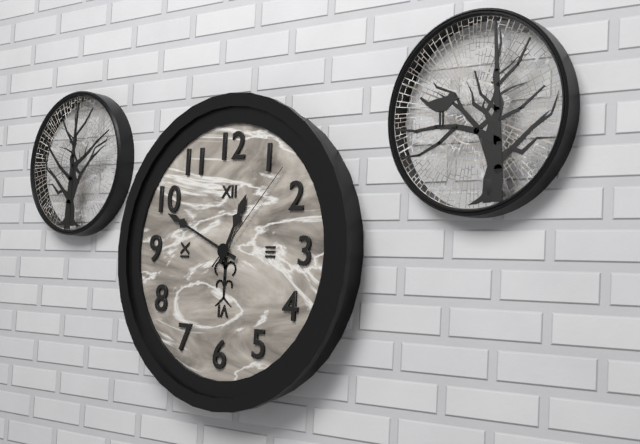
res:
12.49.07
